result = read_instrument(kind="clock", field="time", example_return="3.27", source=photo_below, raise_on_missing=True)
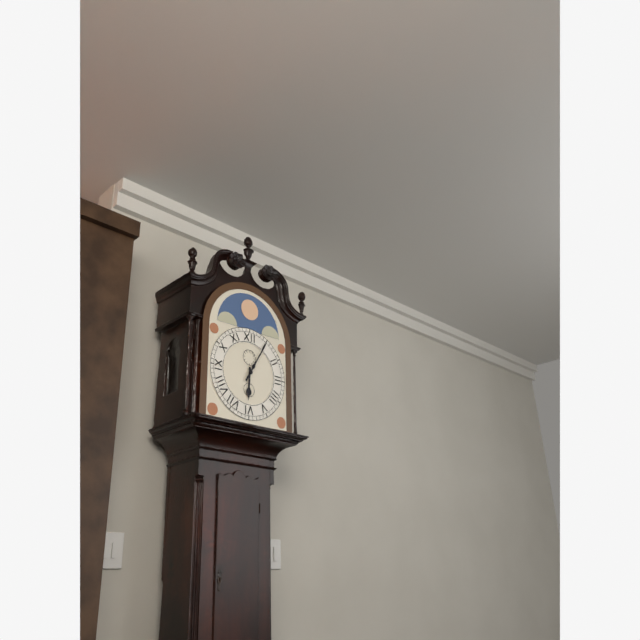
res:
6.05
